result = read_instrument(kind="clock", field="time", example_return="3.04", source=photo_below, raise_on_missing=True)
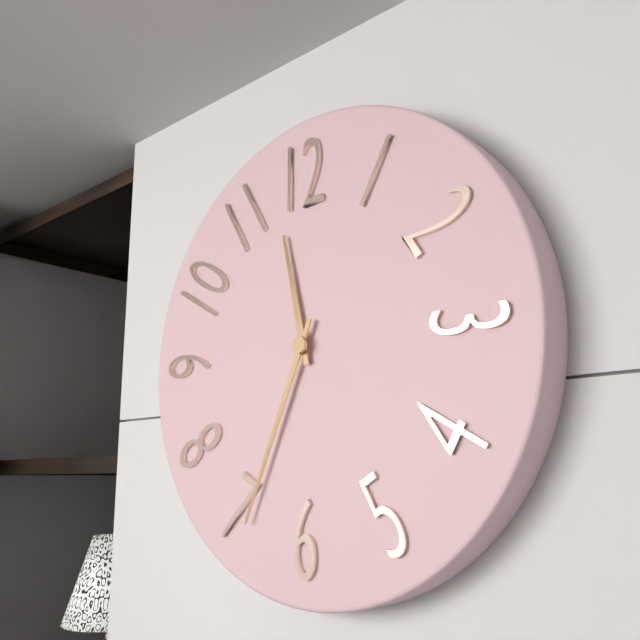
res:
11.34
